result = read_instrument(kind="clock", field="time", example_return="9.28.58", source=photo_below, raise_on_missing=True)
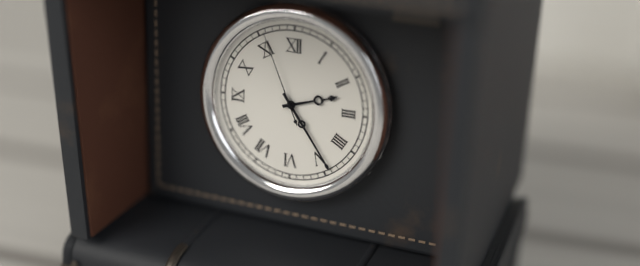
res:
2.24.56
